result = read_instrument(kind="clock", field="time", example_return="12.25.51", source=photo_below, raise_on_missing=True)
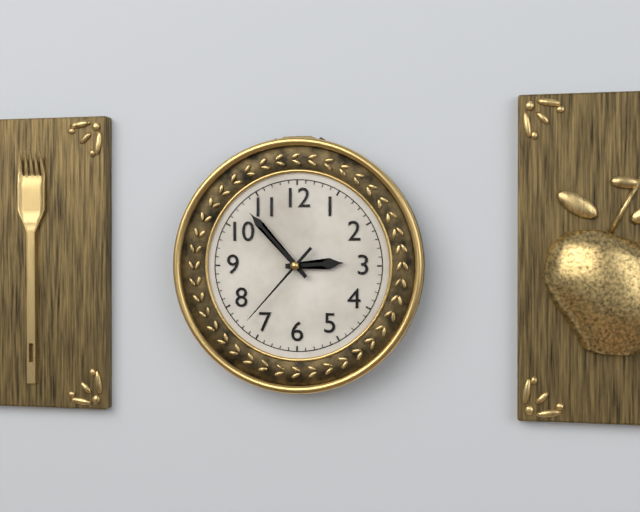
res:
2.53.37
